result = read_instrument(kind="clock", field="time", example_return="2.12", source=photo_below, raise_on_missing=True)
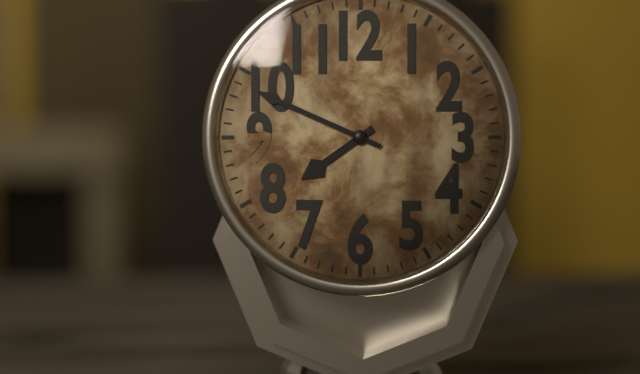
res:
7.49
